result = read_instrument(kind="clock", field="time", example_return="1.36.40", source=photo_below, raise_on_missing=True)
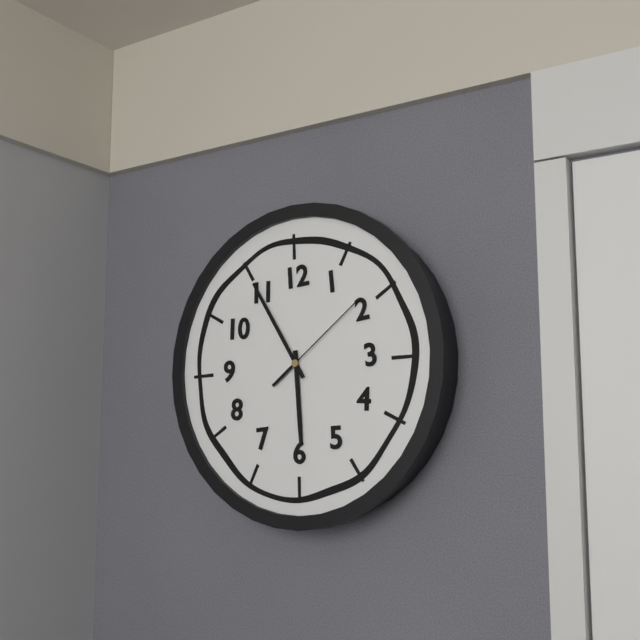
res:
5.55.09
